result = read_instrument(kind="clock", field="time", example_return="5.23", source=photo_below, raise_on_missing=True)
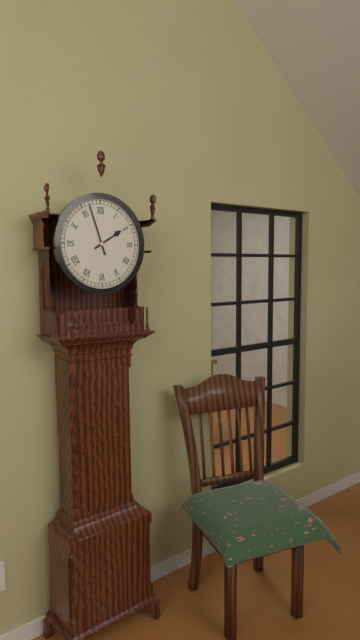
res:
1.57
